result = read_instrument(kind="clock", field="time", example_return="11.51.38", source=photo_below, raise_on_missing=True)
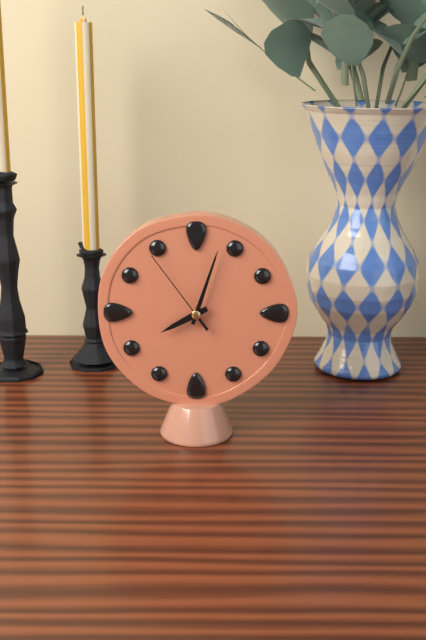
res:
8.03.54
